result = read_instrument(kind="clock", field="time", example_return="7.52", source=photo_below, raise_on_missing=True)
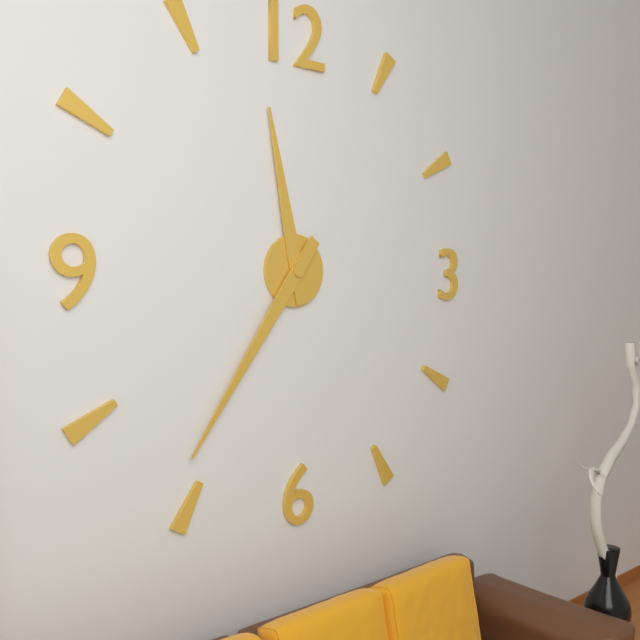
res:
11.36
